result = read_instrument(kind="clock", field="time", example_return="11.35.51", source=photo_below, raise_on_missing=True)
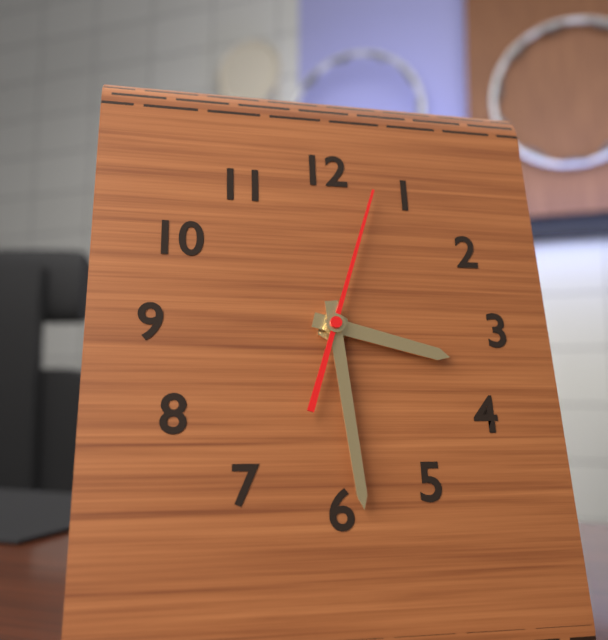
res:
3.29.03
